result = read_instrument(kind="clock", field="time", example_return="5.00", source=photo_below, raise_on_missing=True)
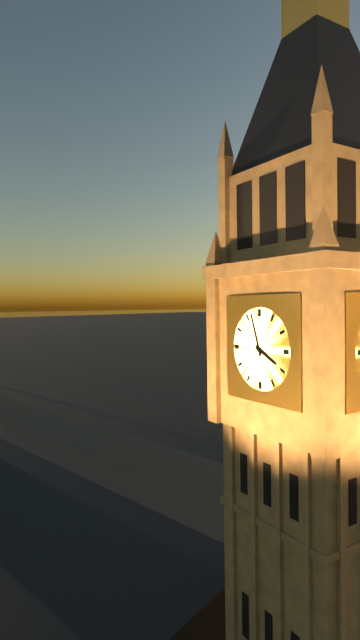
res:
3.57
